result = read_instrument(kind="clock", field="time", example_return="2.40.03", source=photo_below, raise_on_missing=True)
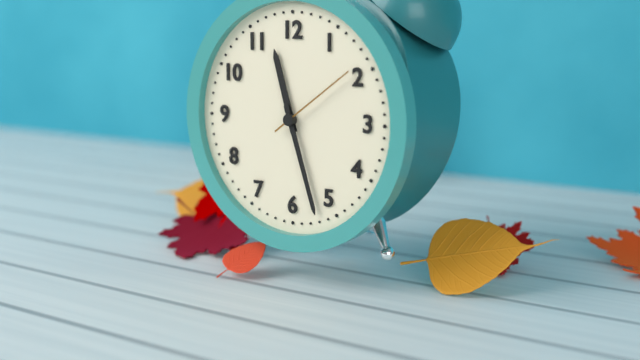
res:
11.27.09
